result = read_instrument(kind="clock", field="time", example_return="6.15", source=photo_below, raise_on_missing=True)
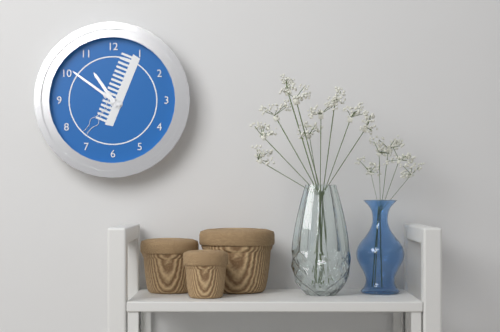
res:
10.51
